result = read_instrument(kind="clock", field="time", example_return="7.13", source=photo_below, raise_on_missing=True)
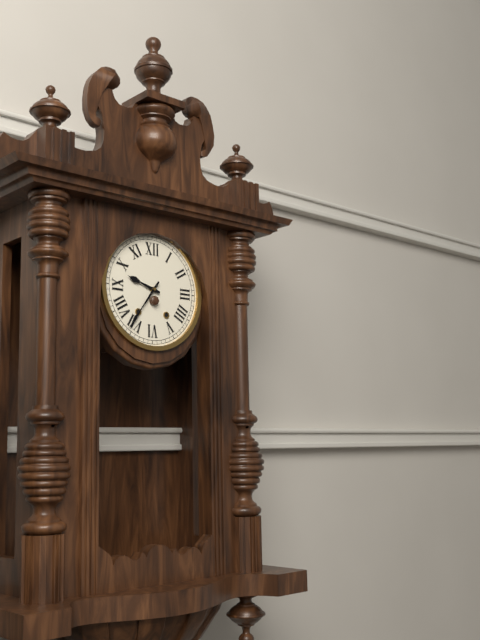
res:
9.36
